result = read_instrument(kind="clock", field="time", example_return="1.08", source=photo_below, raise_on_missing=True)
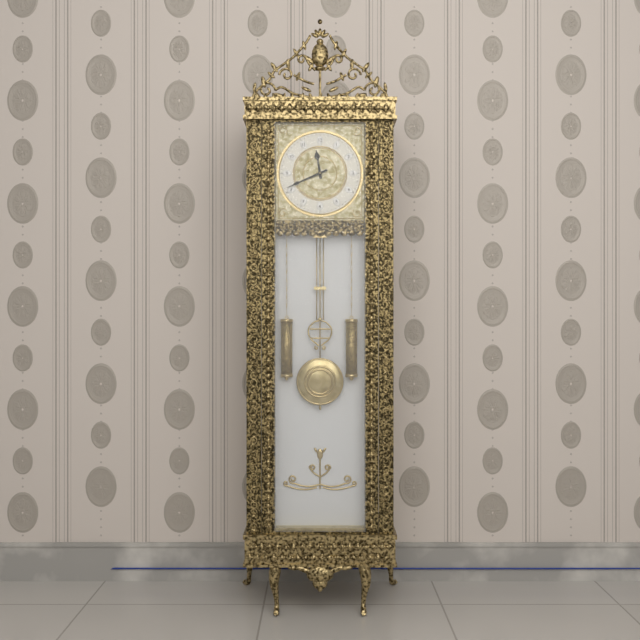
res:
11.41
